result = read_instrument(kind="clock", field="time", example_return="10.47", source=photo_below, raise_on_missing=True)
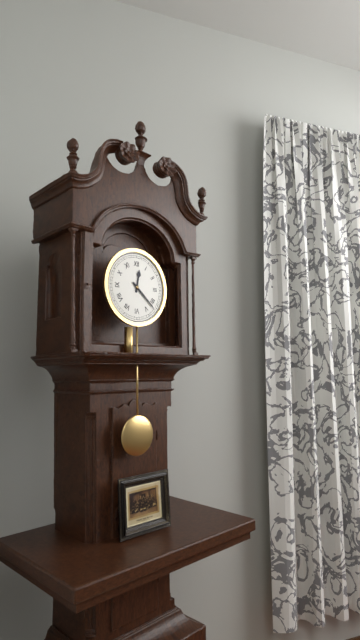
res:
12.22
